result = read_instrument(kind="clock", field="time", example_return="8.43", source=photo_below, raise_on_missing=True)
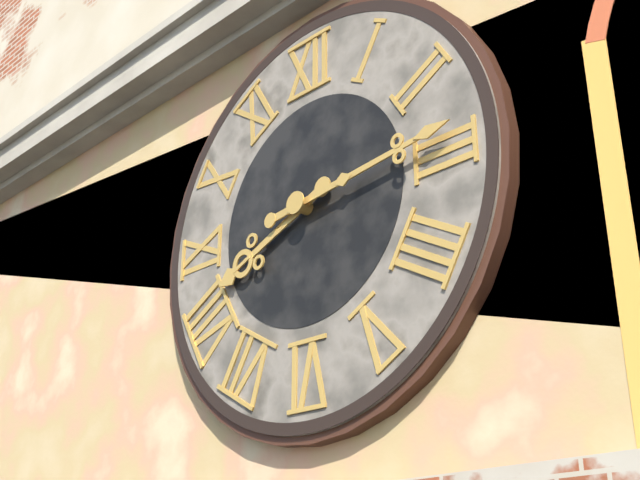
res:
8.14
